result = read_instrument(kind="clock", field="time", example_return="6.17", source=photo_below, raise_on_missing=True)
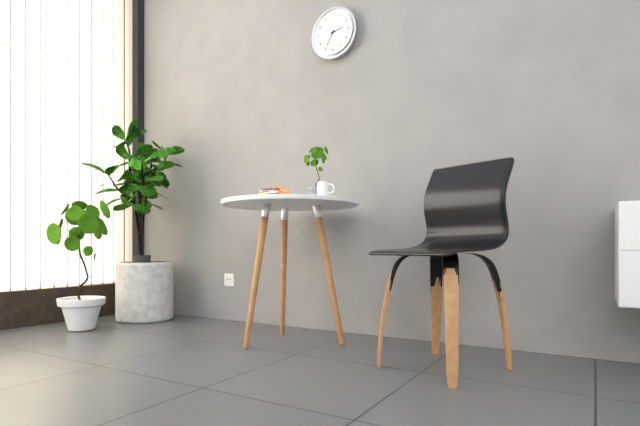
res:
2.35
